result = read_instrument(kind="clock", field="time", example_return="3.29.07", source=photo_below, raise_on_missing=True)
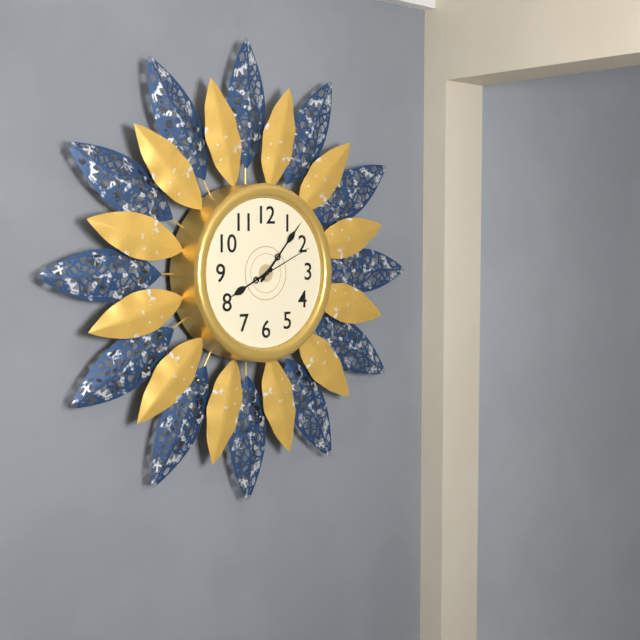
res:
8.07.11
